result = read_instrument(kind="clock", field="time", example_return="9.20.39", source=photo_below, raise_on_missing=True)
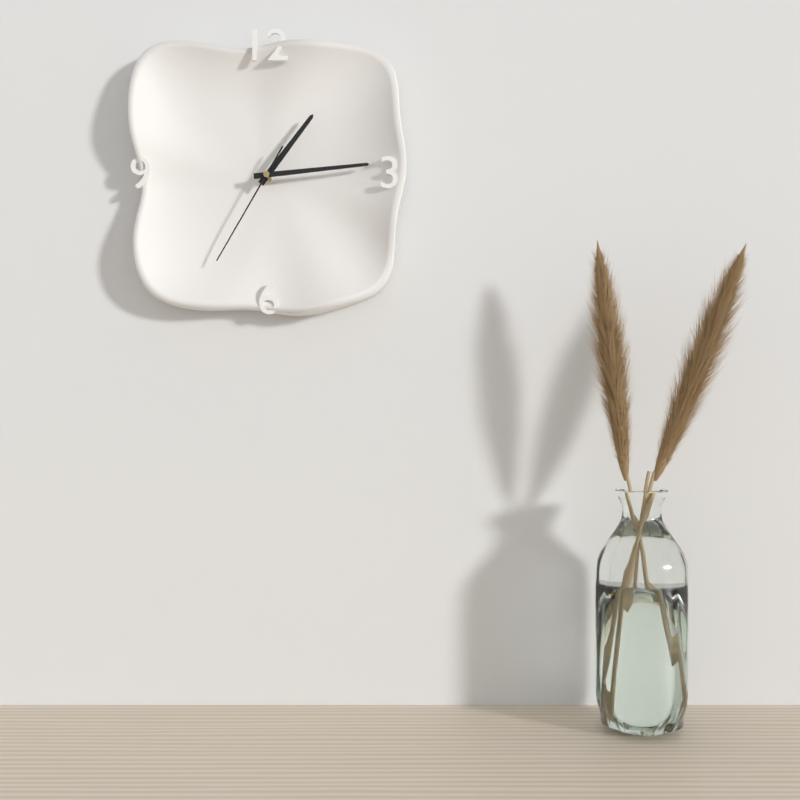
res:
1.14.35
